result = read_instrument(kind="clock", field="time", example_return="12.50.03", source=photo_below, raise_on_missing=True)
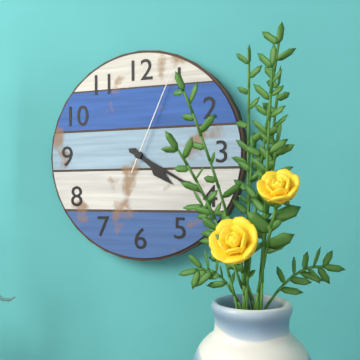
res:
4.20.04
